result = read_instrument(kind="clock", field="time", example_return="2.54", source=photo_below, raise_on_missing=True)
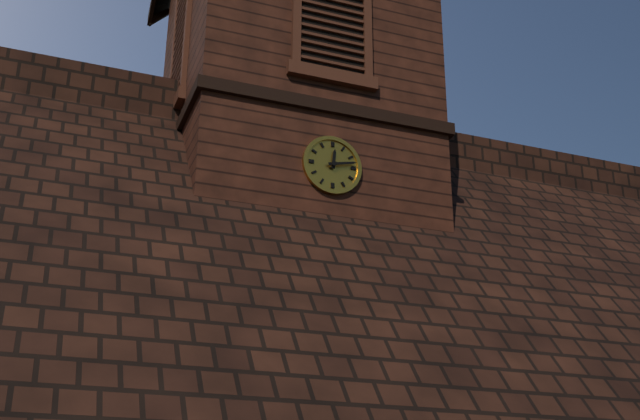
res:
12.13
